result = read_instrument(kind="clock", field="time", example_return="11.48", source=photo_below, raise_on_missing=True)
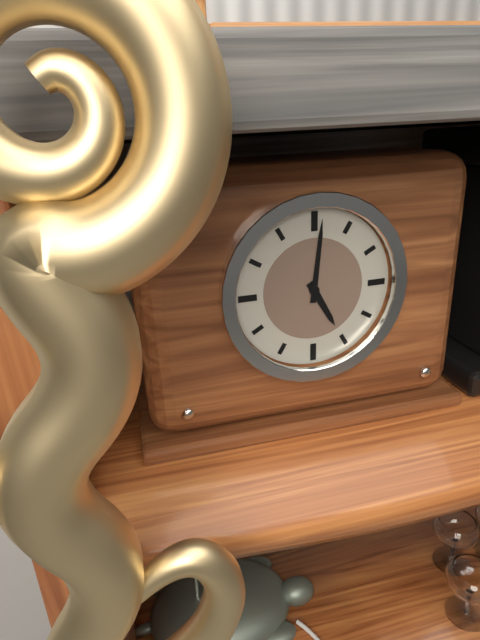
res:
5.01
